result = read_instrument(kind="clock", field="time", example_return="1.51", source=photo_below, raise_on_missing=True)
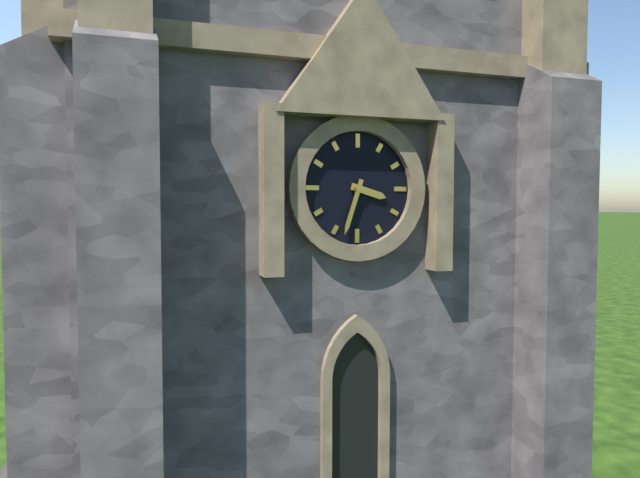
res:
3.33
